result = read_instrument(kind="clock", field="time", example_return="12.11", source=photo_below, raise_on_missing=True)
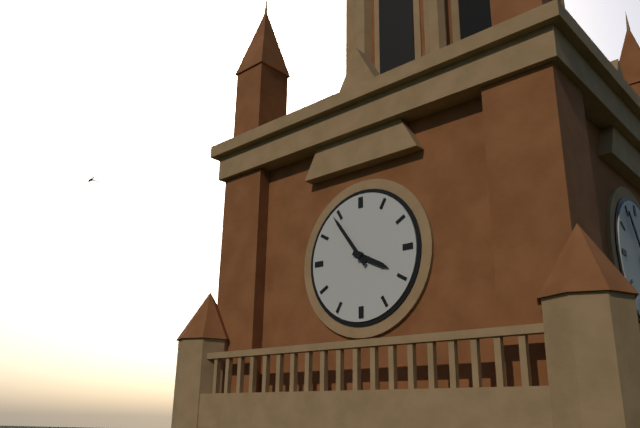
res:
3.54
